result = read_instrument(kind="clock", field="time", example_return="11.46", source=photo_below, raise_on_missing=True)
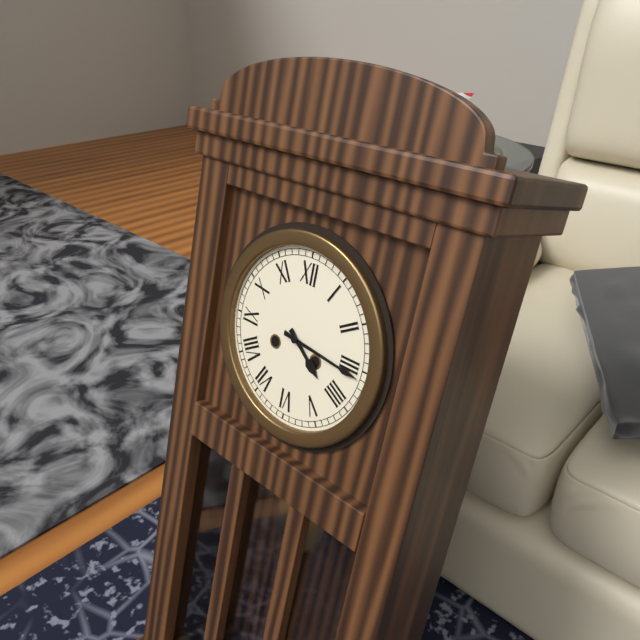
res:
4.16
